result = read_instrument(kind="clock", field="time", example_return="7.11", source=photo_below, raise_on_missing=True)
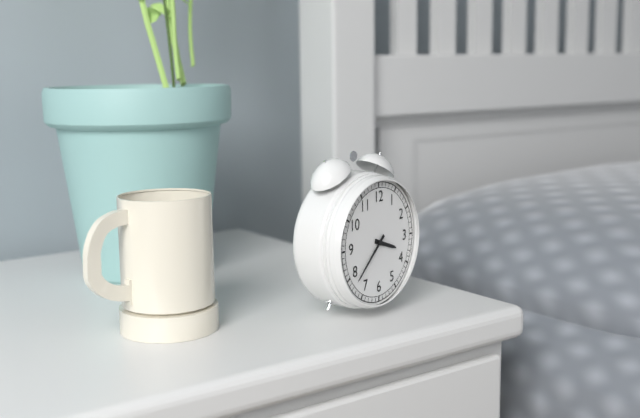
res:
3.38
